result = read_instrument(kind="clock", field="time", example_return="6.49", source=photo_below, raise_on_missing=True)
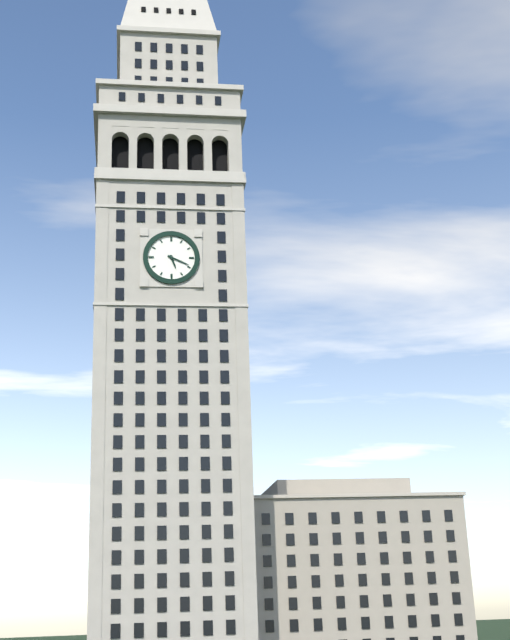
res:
5.19
